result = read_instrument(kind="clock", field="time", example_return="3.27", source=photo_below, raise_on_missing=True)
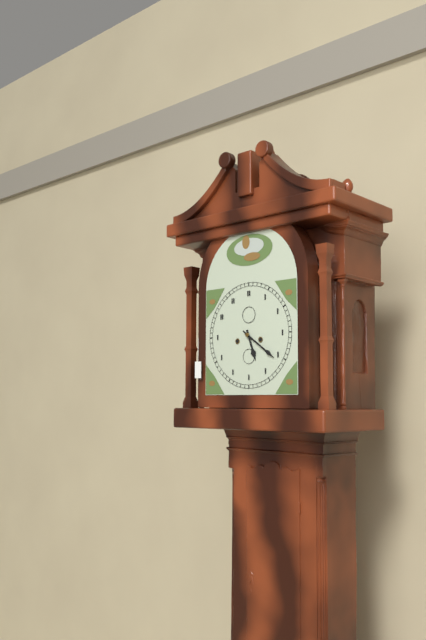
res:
5.21
